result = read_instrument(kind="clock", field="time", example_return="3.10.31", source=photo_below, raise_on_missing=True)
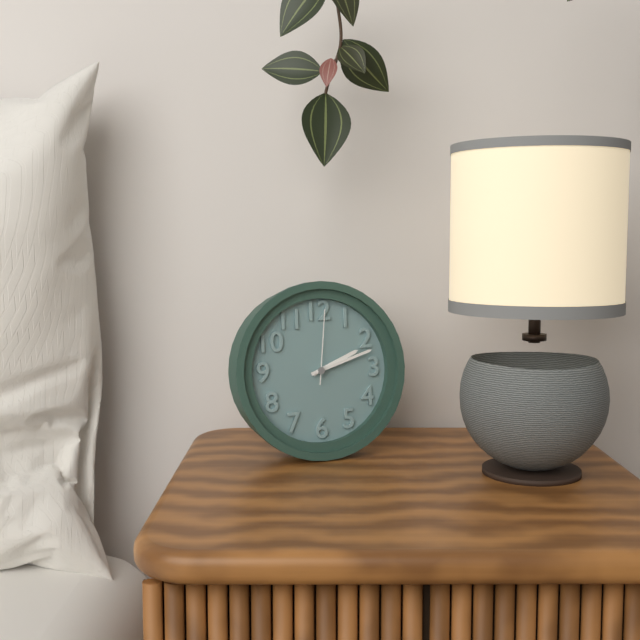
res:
2.12.01
